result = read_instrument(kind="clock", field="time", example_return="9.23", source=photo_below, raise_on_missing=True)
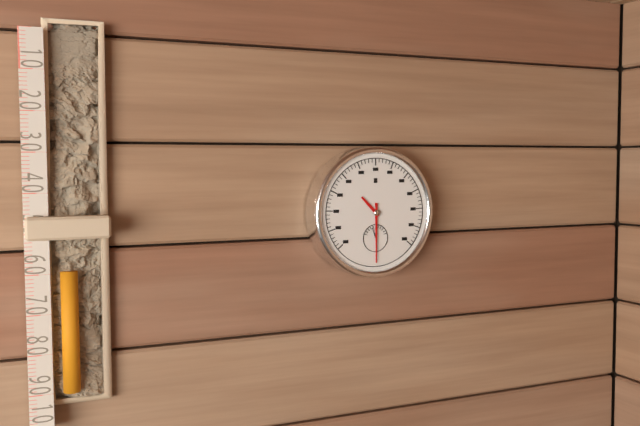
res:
10.30
